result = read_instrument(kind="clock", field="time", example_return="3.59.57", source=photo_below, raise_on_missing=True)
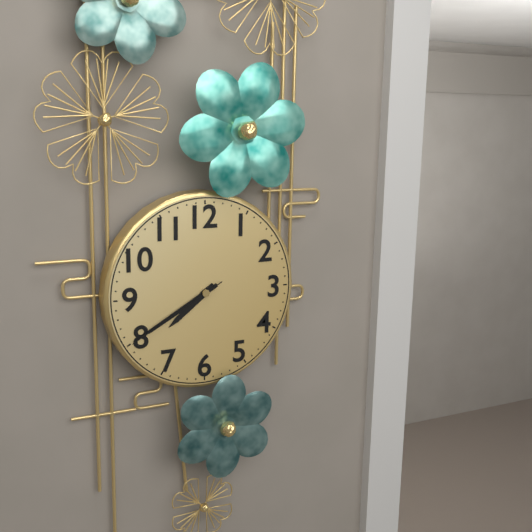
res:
7.40.40
